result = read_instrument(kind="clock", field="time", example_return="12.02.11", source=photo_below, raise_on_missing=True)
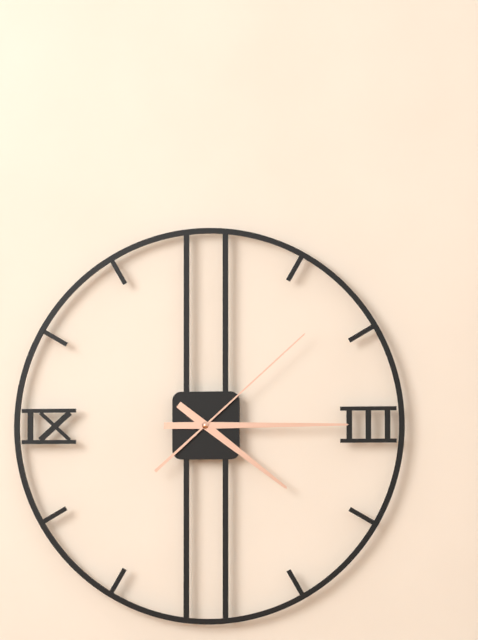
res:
4.15.08
